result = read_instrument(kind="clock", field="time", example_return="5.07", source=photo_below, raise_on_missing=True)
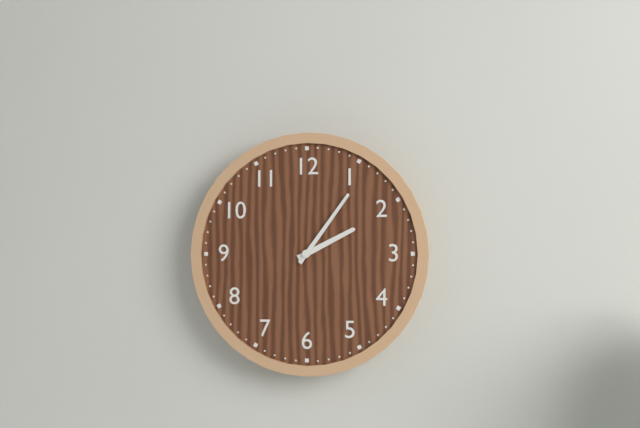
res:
2.06
